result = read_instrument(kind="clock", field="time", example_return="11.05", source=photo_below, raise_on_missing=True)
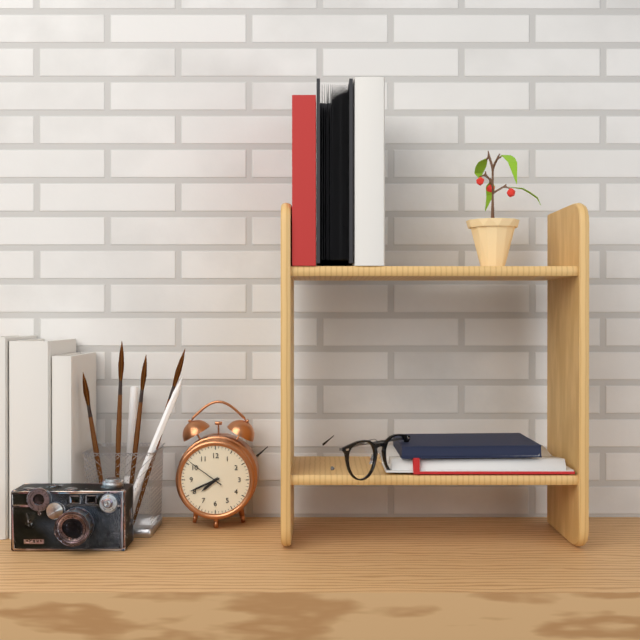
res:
7.41
